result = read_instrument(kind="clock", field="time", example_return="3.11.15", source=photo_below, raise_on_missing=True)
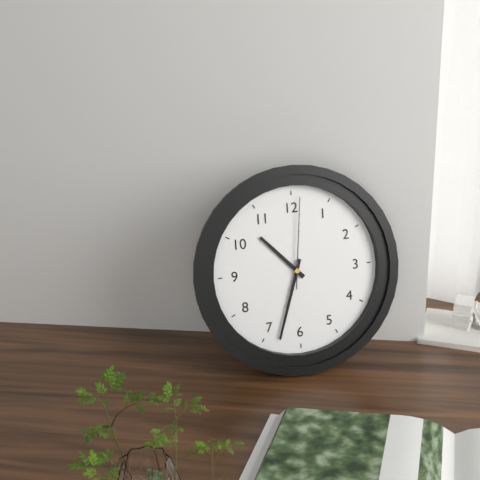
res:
10.33.01
